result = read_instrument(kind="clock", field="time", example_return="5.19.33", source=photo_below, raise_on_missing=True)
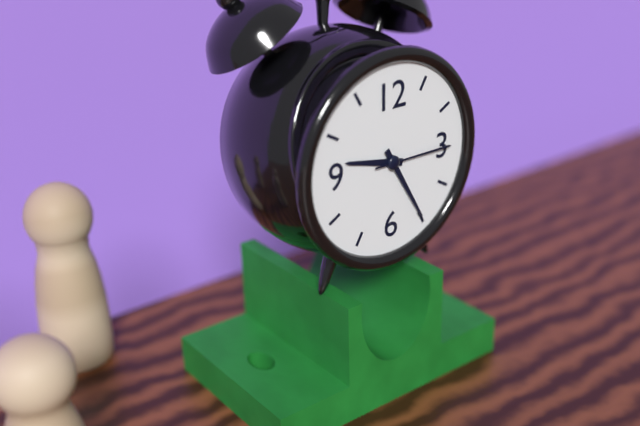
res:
9.25.15
